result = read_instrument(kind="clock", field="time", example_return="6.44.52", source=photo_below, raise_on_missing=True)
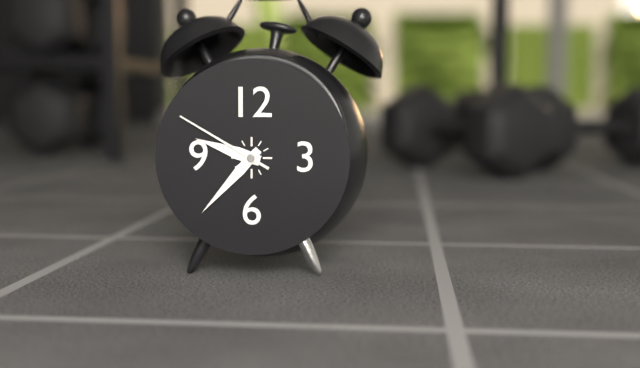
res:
9.37.50
